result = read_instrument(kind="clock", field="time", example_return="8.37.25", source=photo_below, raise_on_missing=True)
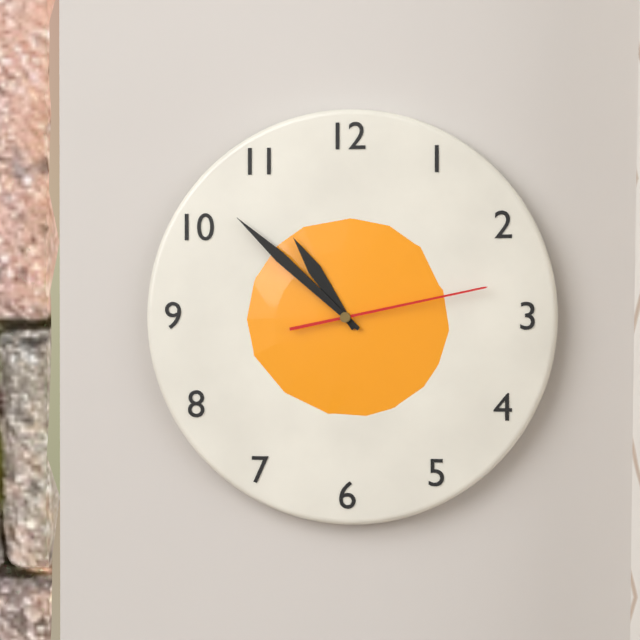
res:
10.52.13
